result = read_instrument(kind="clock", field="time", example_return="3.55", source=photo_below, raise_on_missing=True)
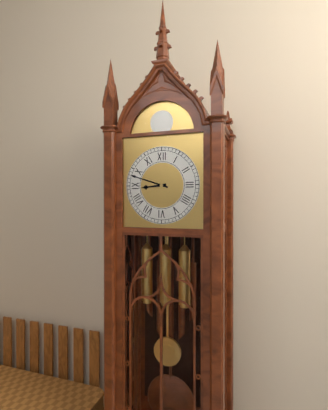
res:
8.48
